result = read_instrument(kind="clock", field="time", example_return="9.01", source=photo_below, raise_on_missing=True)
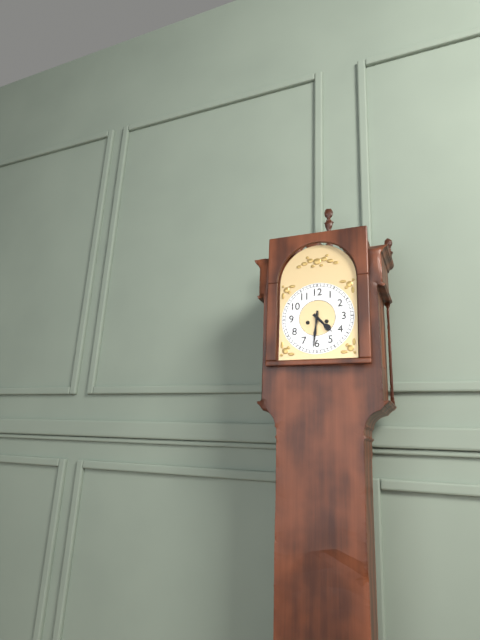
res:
4.31
